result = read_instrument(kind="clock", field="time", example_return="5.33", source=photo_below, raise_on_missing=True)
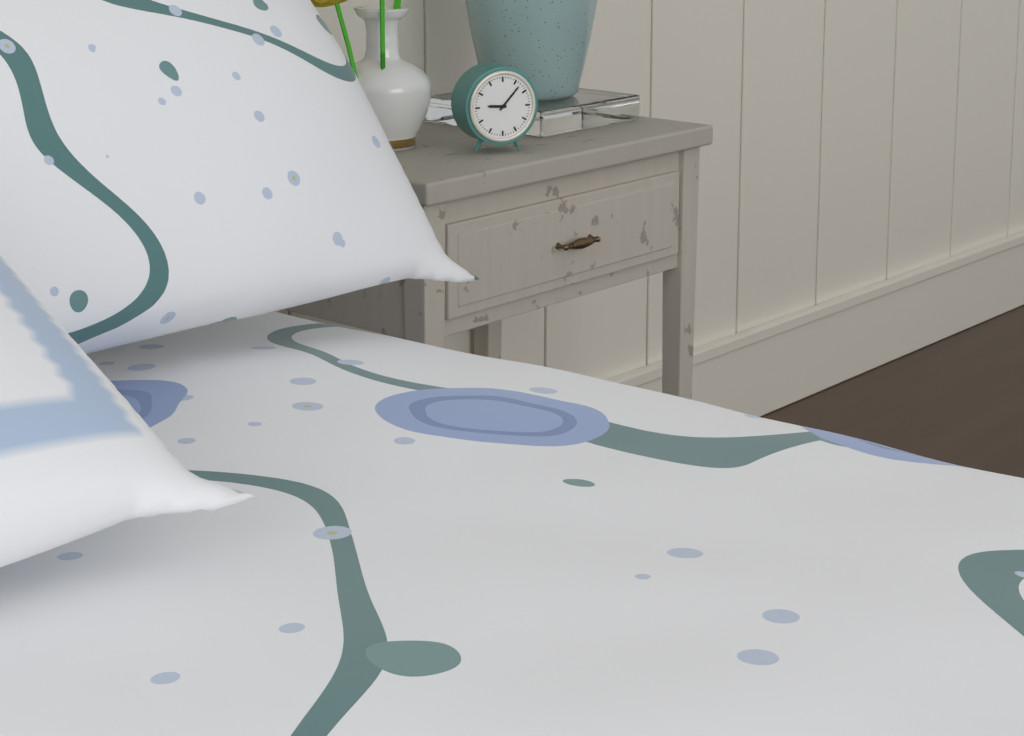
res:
9.07
